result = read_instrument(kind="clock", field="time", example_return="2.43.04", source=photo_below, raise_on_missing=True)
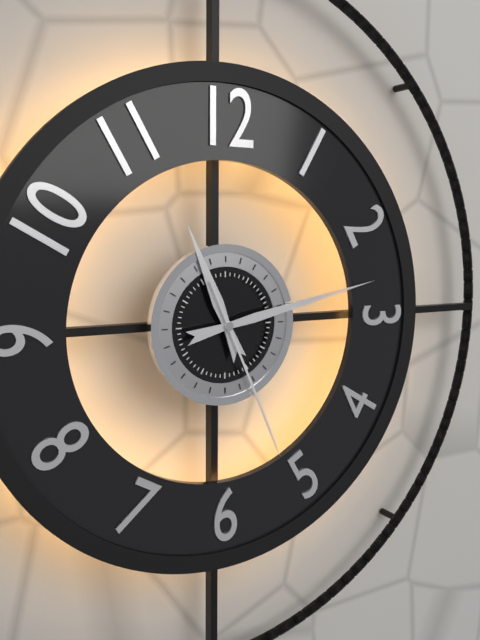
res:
11.13.26
